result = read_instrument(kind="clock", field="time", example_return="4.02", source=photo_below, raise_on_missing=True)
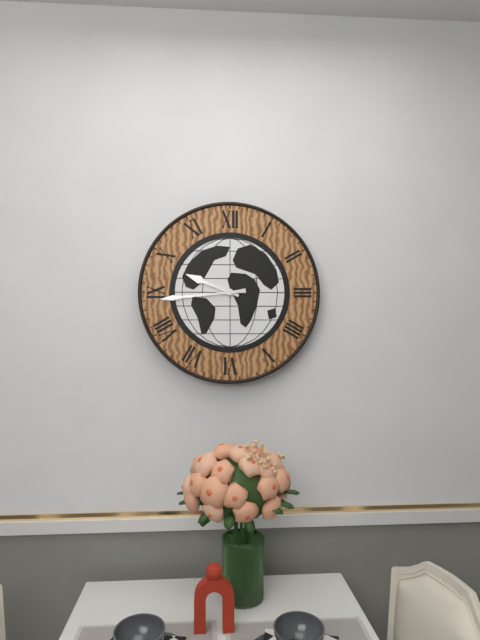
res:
9.44
